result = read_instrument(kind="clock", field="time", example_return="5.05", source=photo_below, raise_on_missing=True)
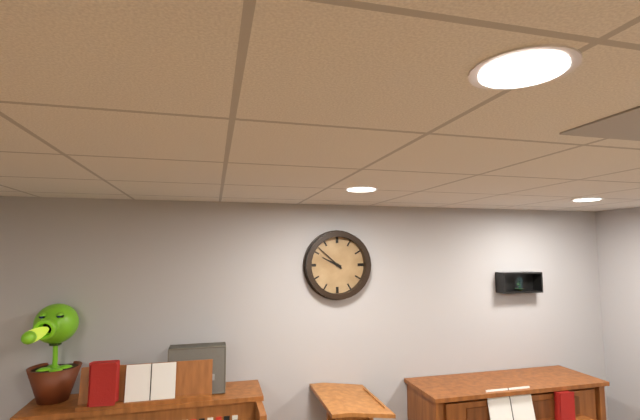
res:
9.52
